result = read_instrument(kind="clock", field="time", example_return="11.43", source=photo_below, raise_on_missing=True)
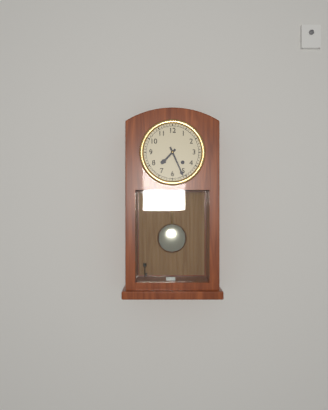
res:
7.26
